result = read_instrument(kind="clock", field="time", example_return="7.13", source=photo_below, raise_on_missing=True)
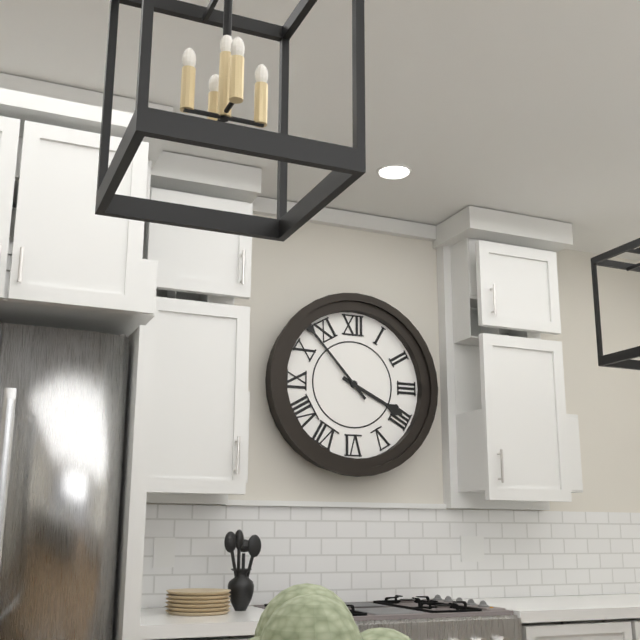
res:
3.53
